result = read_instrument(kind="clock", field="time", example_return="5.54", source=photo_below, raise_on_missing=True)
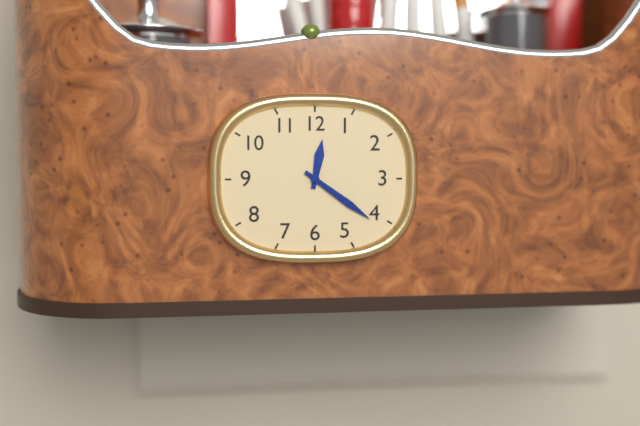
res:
12.21
